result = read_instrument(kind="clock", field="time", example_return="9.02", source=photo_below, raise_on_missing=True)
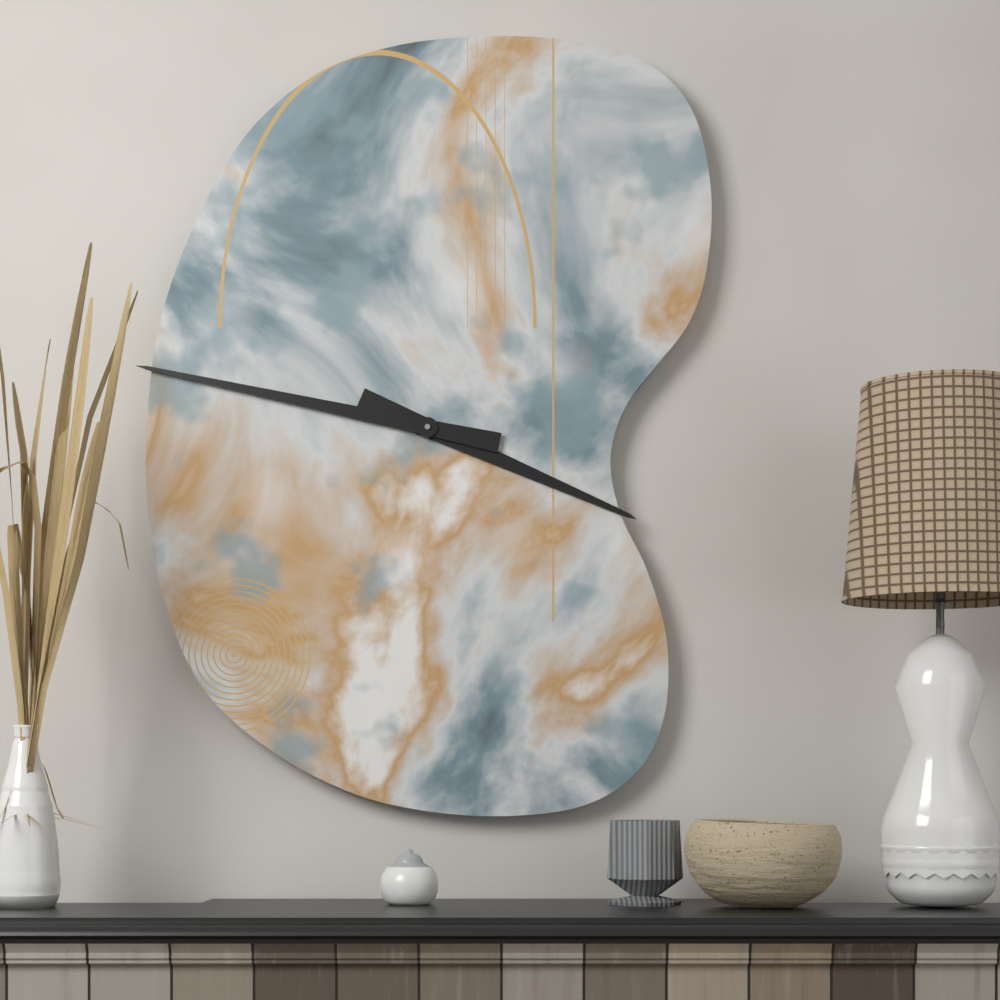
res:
3.47
